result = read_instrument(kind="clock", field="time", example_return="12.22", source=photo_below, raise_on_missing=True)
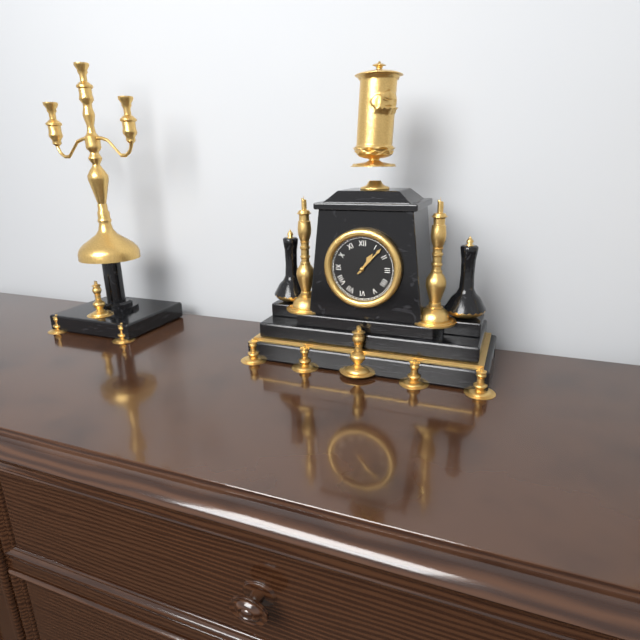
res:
1.07
